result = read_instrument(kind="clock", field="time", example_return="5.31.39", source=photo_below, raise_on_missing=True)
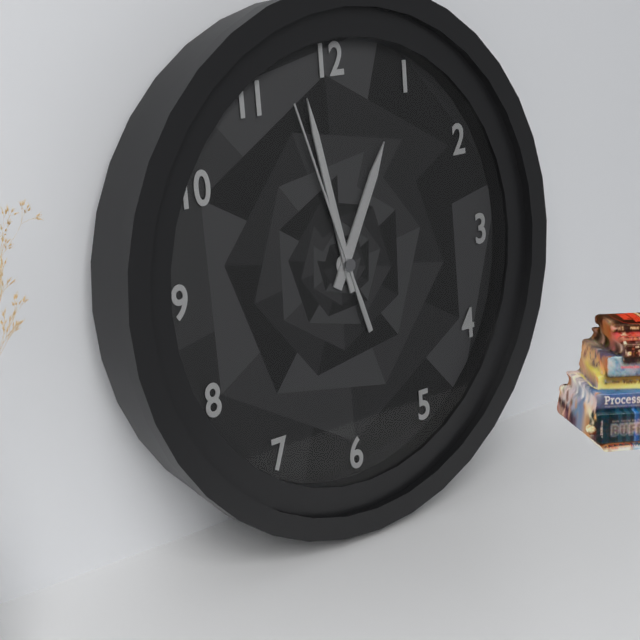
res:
12.58.57
